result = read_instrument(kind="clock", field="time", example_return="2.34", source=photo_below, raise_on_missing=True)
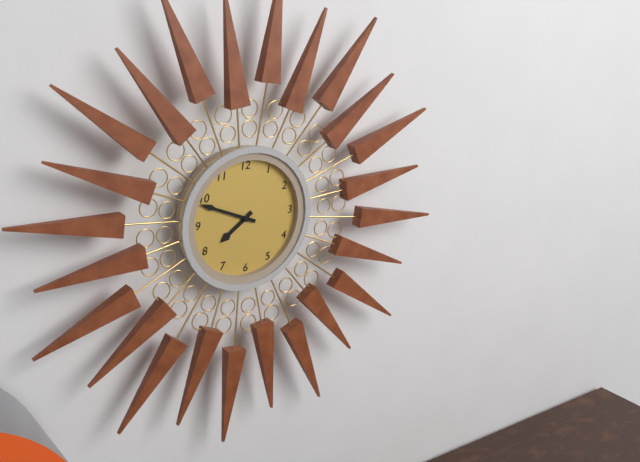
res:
7.49
